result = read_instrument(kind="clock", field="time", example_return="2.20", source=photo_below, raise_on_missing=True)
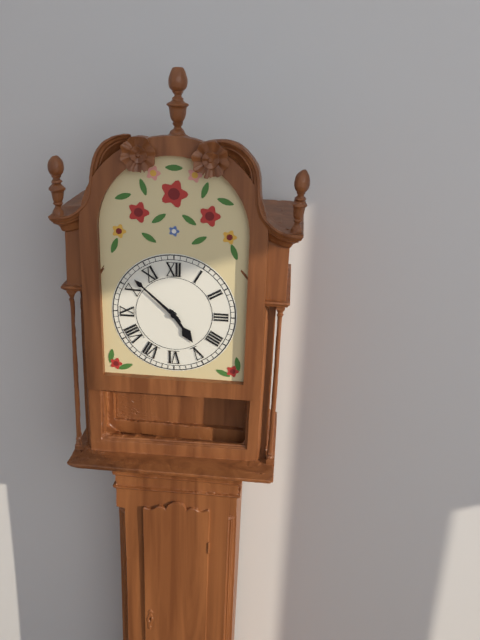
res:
4.52
